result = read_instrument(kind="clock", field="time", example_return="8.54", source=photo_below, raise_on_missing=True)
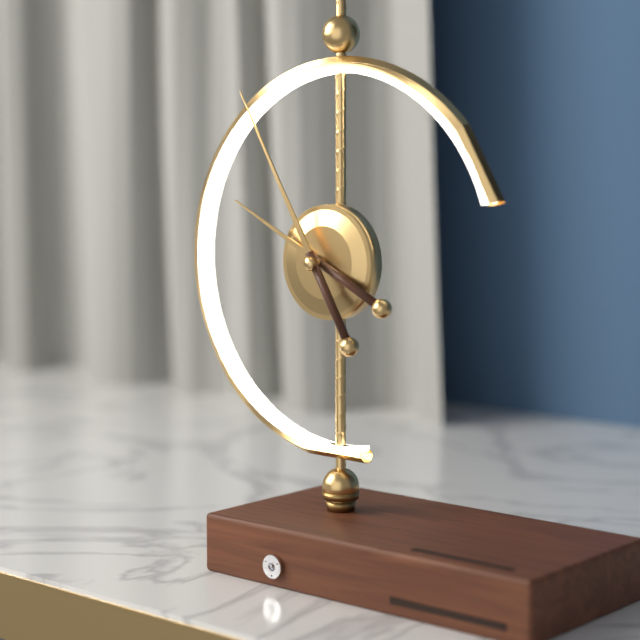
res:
9.55
